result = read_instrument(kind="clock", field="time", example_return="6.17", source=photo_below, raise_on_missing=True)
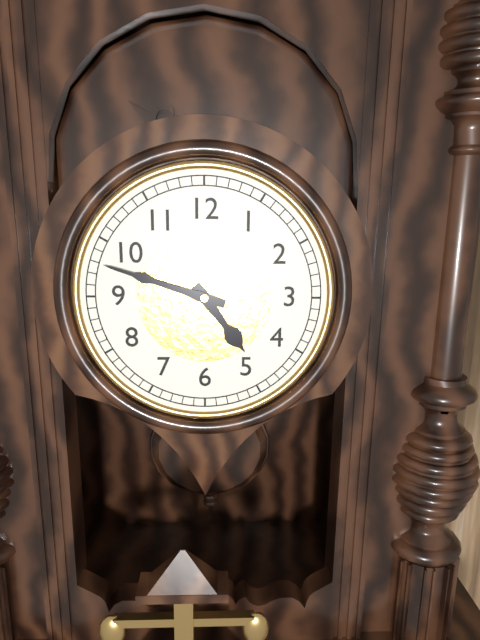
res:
4.48
